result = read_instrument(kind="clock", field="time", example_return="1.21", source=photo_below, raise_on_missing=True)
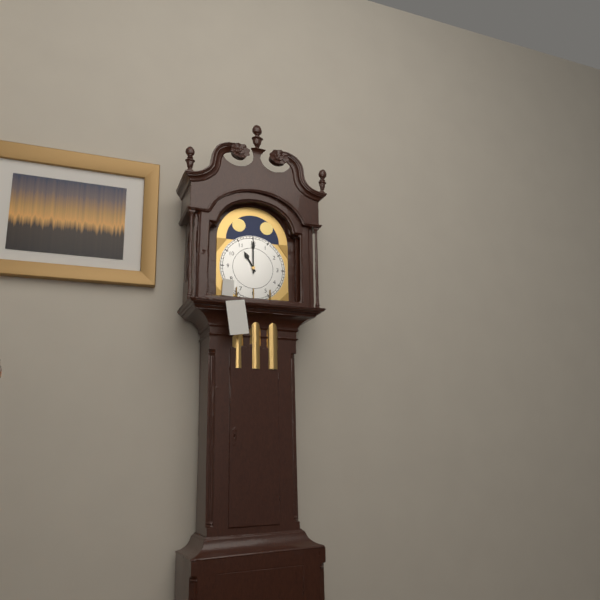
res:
11.00
